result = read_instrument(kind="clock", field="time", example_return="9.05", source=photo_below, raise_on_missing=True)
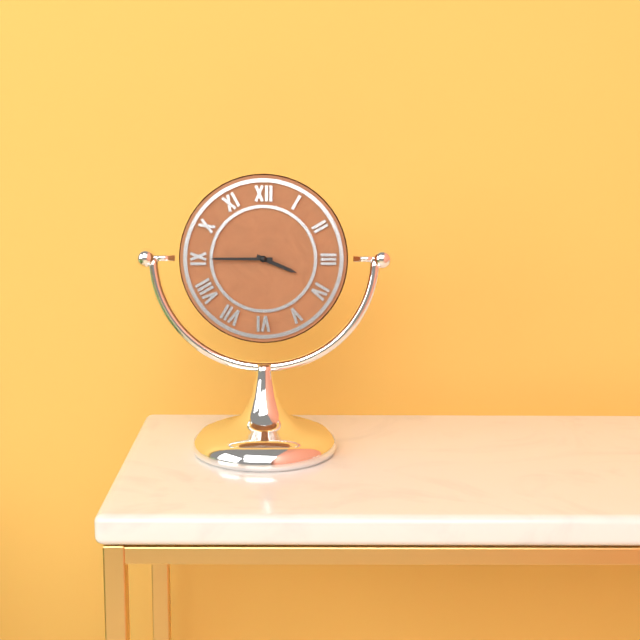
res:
3.45
